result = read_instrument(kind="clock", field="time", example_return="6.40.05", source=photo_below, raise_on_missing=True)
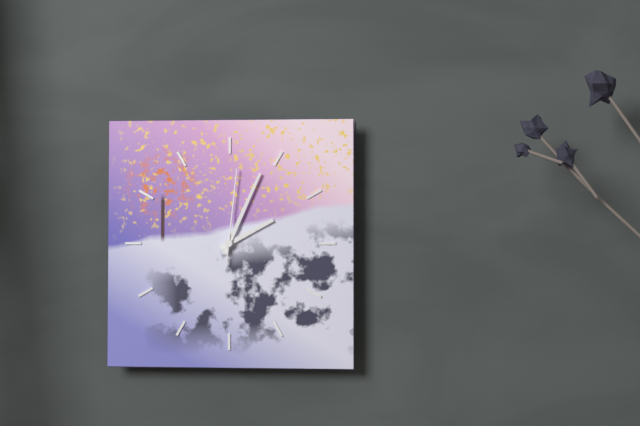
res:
2.04.01
